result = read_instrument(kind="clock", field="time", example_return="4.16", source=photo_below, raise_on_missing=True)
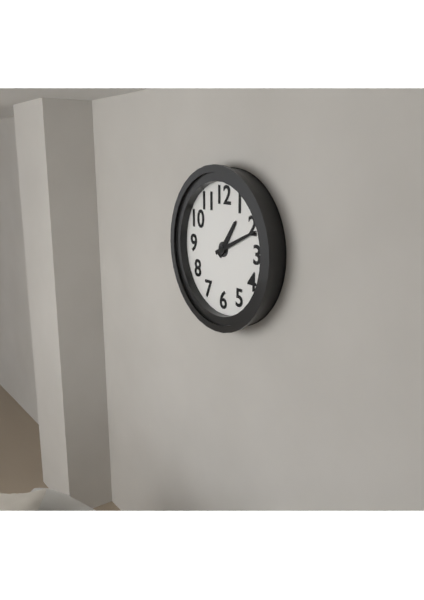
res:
1.11
